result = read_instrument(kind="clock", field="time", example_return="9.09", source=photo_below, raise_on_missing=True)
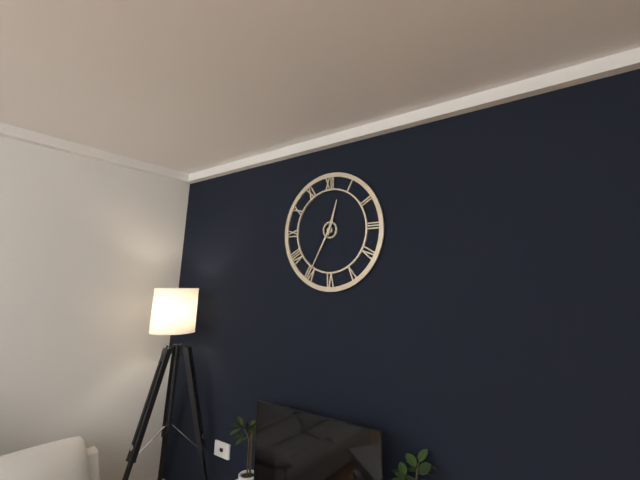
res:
12.35
